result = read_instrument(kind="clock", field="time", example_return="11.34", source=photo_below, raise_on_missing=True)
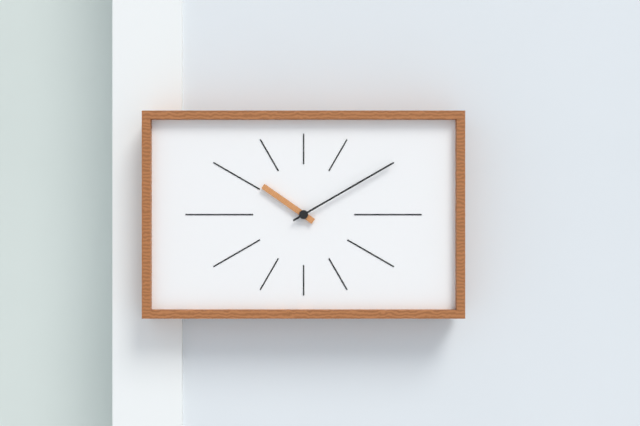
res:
10.10
